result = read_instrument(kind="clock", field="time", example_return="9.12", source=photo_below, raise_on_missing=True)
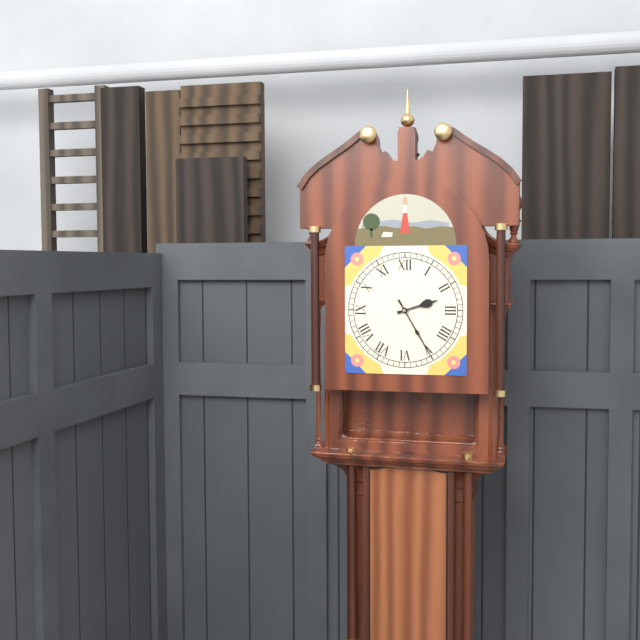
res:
2.25
